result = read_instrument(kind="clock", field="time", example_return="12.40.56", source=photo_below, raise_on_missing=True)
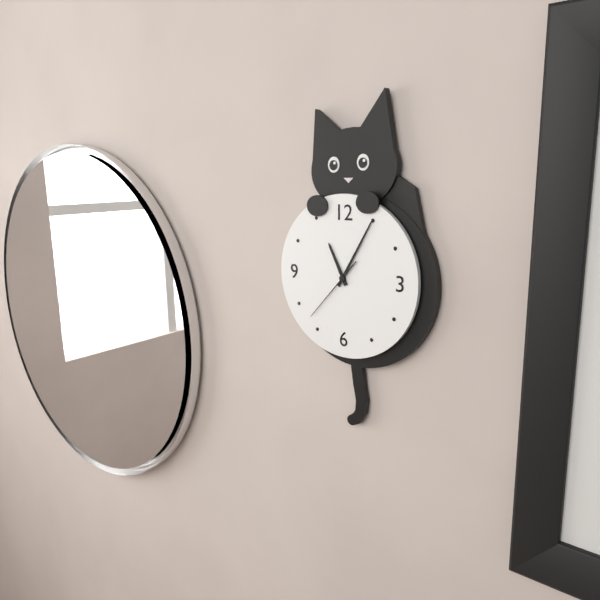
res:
11.05.37
